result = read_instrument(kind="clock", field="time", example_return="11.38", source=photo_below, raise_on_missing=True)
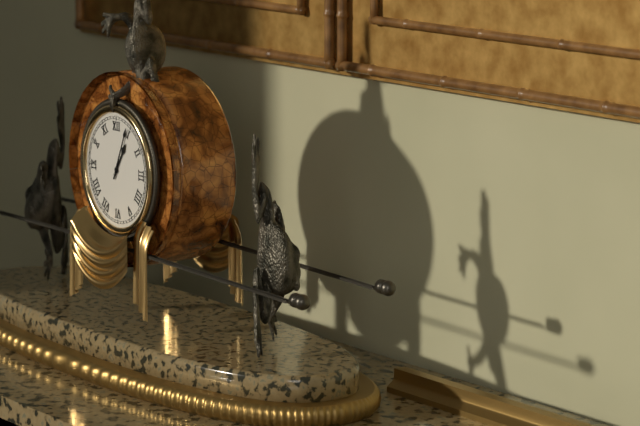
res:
1.04
